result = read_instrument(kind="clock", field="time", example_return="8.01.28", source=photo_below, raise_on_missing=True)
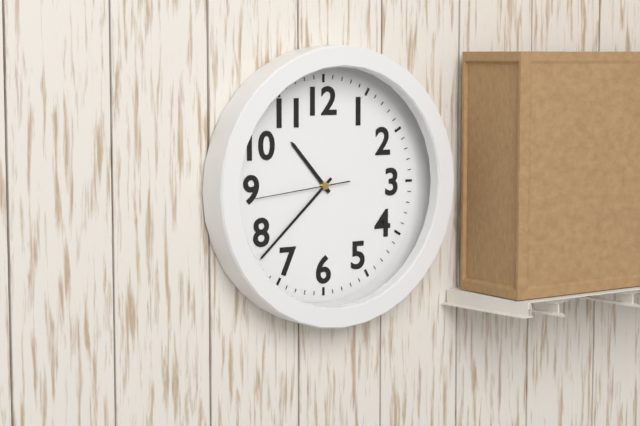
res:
10.38.44
